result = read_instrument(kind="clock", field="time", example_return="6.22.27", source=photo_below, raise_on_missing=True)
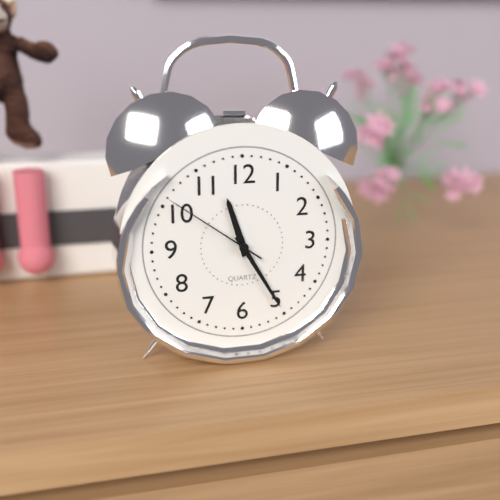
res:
11.25.51
